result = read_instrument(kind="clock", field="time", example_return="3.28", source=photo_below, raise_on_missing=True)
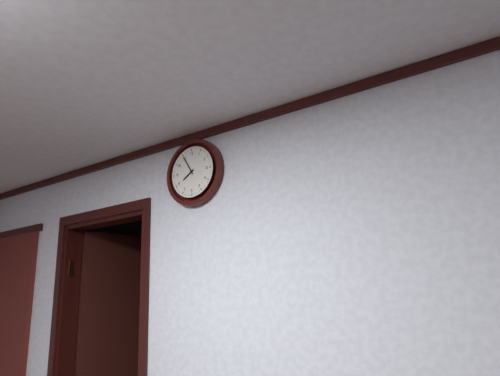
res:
7.55
